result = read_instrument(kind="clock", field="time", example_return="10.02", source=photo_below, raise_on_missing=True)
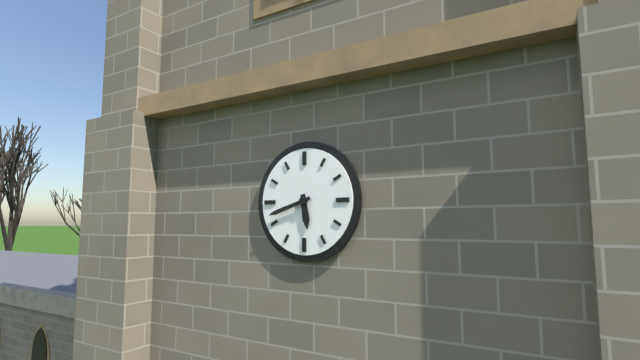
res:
5.42
